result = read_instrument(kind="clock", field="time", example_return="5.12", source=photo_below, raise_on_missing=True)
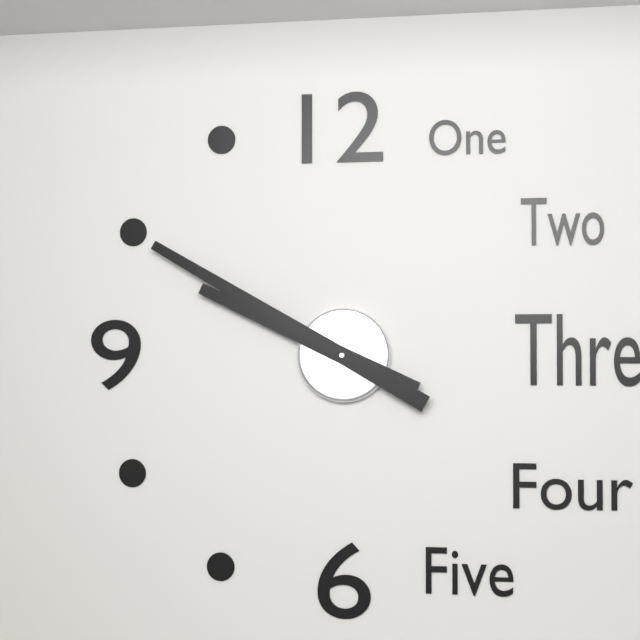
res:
9.50
